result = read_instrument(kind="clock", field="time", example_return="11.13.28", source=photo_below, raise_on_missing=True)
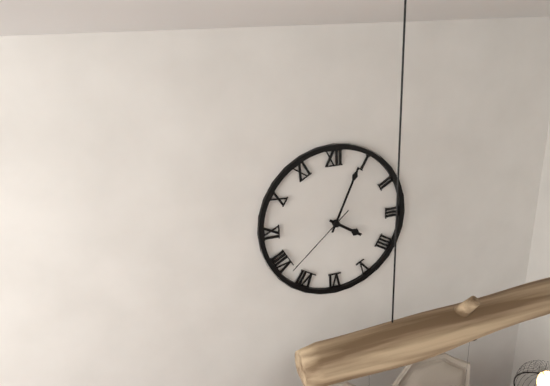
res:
4.04.38
